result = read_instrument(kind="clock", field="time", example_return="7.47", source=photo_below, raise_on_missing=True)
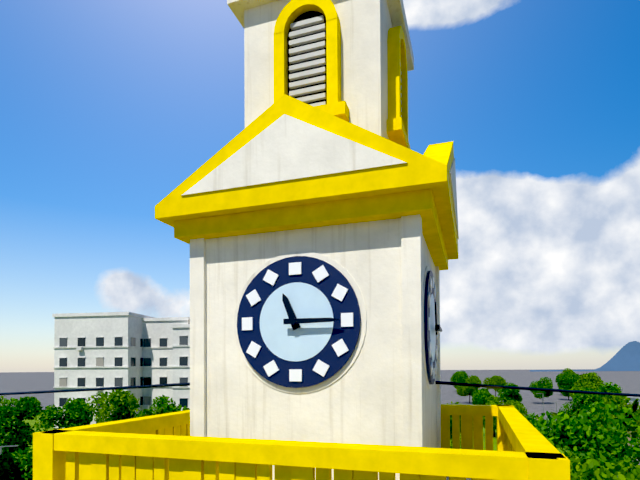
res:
11.15
